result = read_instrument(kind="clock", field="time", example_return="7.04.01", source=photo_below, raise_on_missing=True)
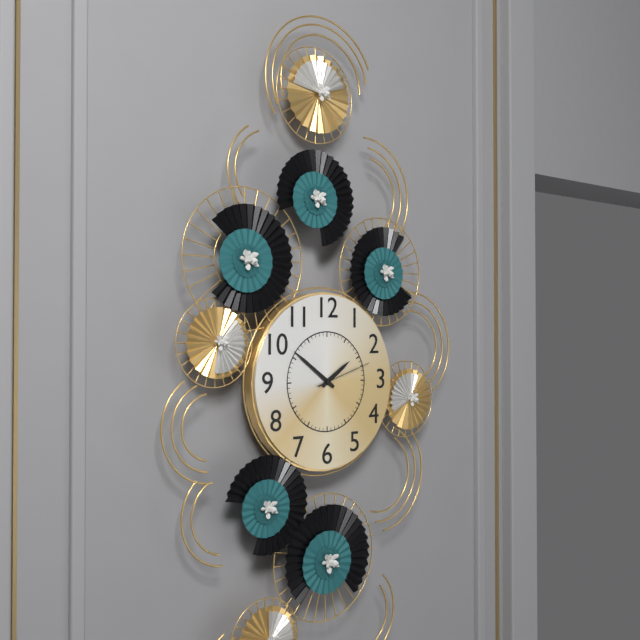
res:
1.51.12
